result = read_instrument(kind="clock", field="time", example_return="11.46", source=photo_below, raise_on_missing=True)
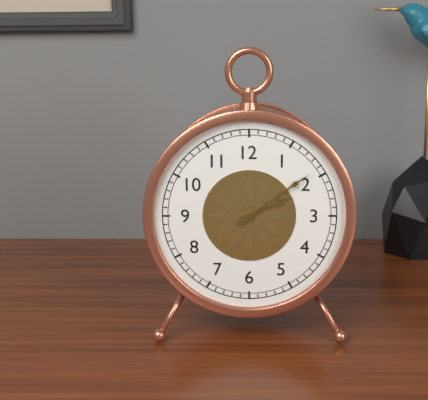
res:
2.09
